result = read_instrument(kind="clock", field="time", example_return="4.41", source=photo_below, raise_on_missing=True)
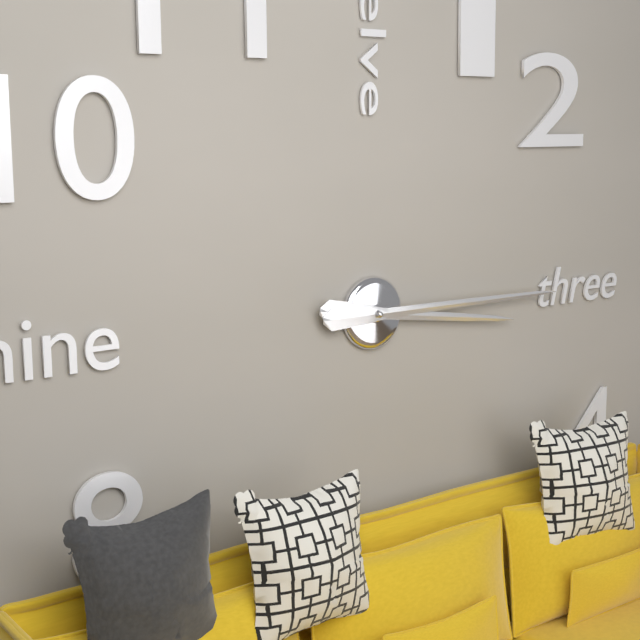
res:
3.15
